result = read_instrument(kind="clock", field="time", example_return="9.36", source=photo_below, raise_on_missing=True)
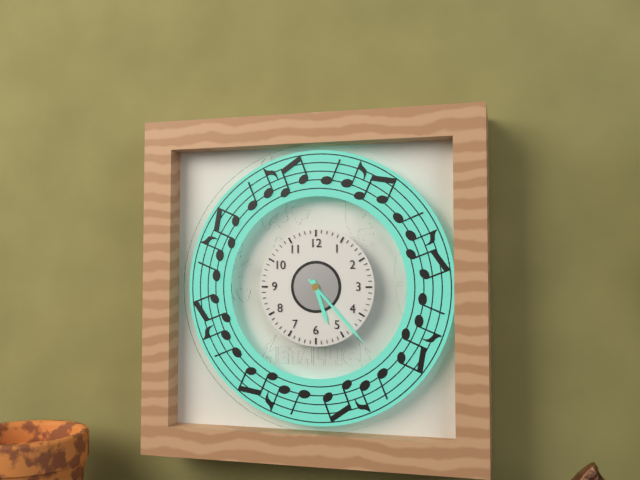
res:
5.23
